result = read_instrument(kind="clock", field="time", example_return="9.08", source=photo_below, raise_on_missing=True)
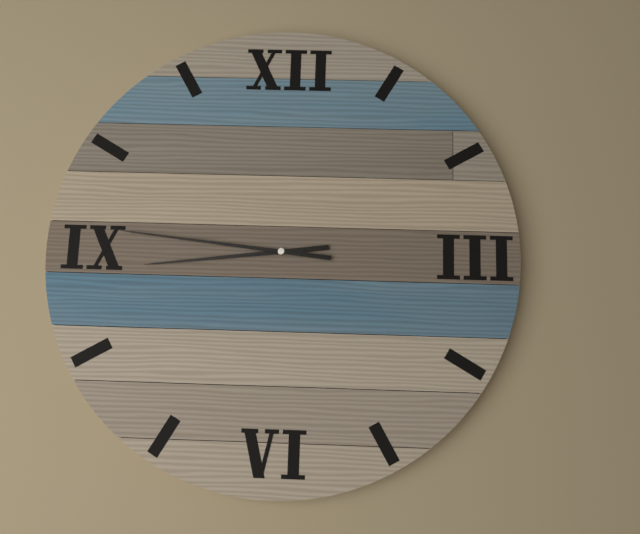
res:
8.46
